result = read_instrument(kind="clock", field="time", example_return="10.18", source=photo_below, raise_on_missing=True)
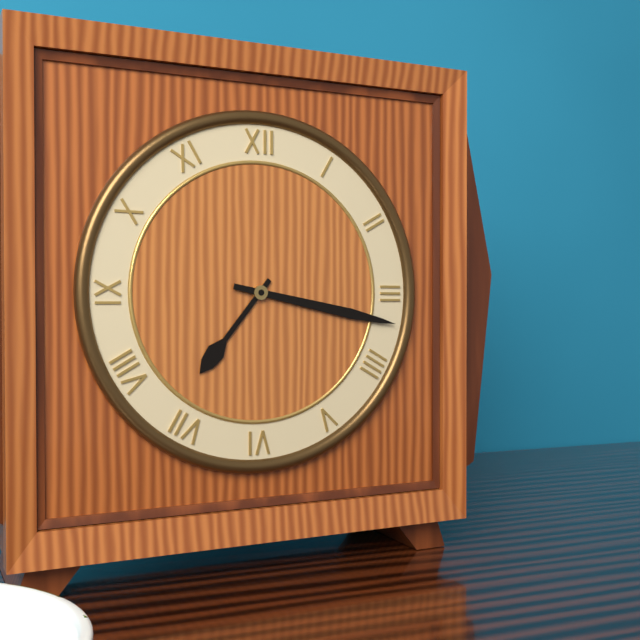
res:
7.17
